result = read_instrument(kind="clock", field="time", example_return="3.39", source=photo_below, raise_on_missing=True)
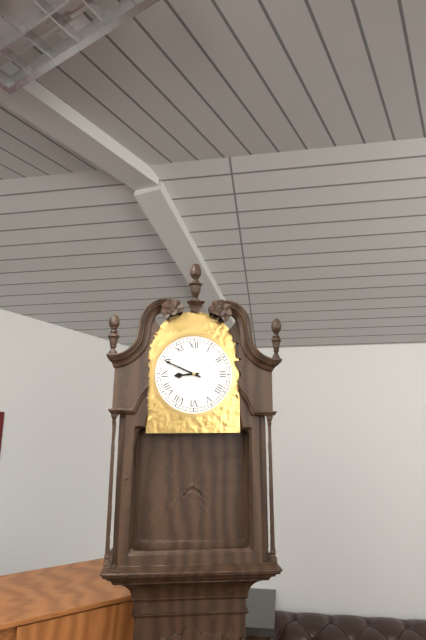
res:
8.49
